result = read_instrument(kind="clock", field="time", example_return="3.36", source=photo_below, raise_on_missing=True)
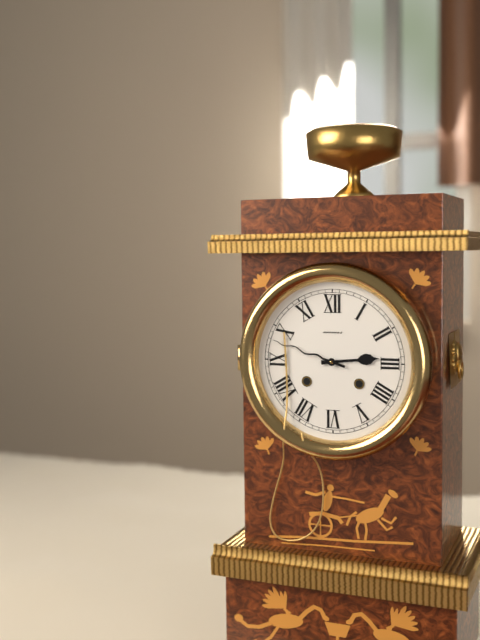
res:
2.48
